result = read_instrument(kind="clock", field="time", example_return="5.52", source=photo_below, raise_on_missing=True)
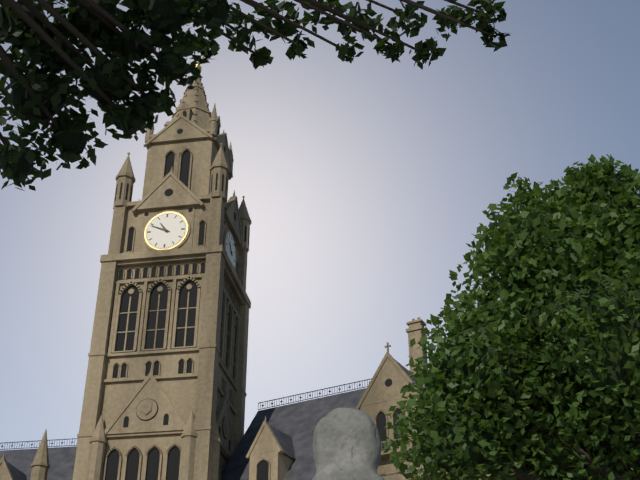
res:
10.49
